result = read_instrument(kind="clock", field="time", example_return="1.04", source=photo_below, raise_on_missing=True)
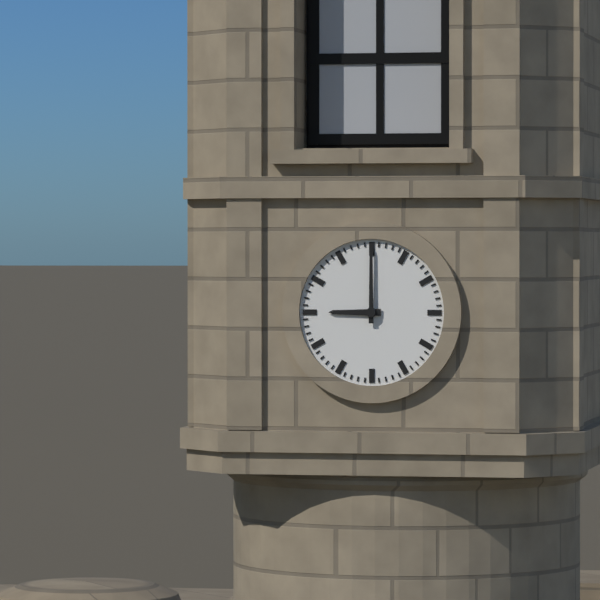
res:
9.00
